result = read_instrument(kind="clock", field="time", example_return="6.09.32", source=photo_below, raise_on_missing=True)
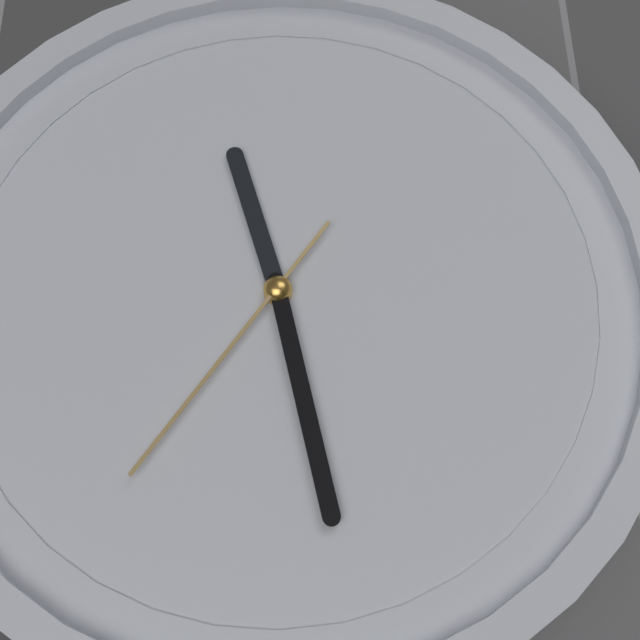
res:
11.28.36
